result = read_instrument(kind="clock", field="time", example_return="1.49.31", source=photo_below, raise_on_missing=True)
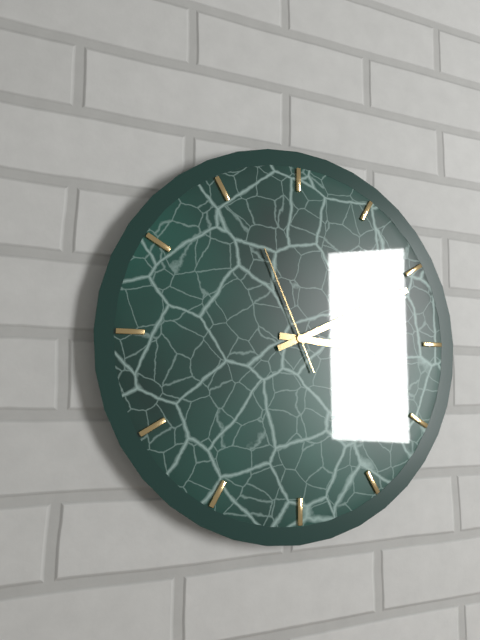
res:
3.11.56
